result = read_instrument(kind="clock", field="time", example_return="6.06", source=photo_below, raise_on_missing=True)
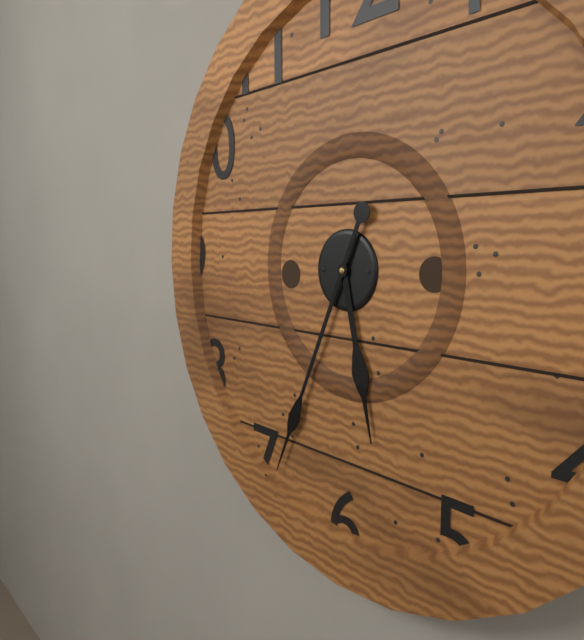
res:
5.34
